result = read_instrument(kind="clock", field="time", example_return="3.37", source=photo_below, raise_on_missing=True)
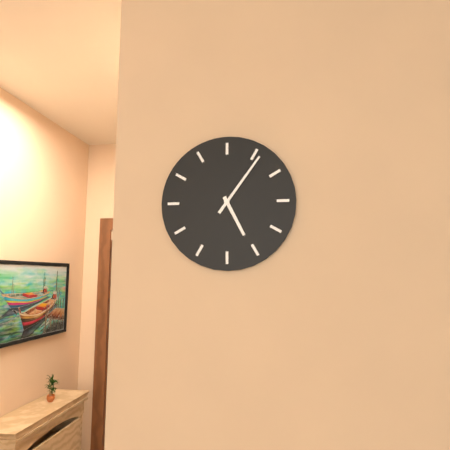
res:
5.06
